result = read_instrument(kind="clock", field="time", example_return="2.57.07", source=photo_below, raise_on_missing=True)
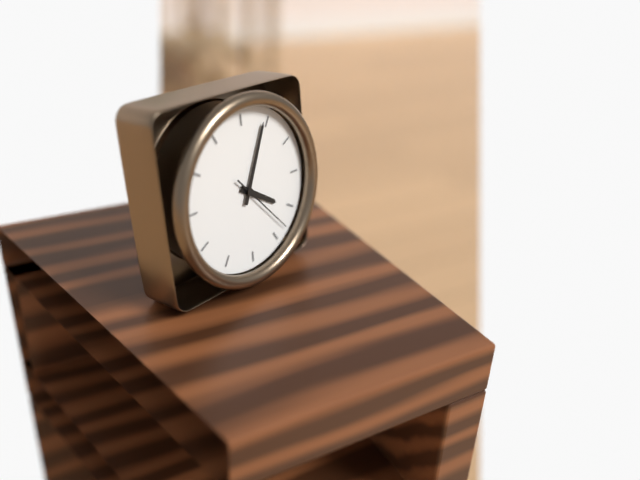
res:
4.04.23
